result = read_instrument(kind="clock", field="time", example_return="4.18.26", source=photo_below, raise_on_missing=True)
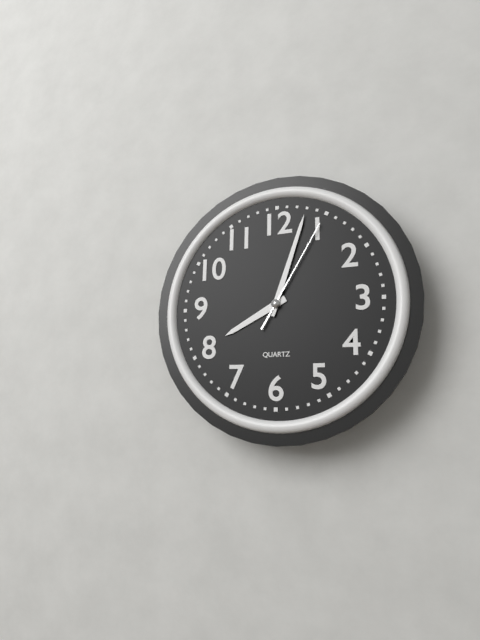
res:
8.03.05
